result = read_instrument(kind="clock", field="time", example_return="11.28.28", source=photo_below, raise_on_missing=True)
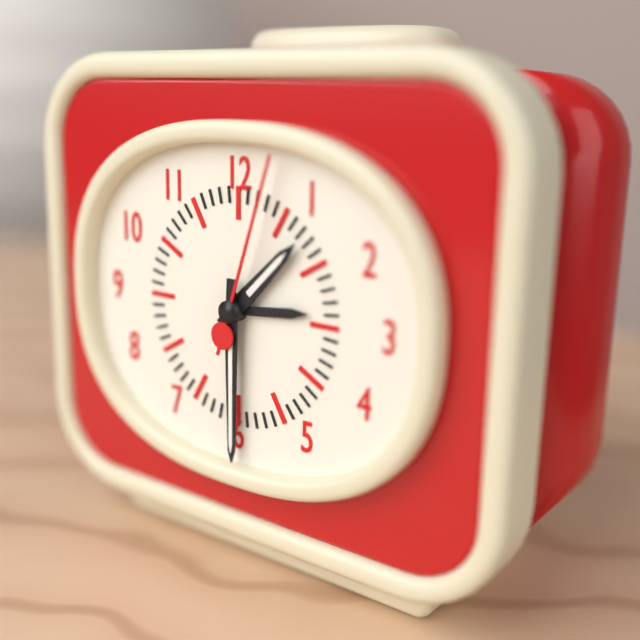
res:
1.30.03
